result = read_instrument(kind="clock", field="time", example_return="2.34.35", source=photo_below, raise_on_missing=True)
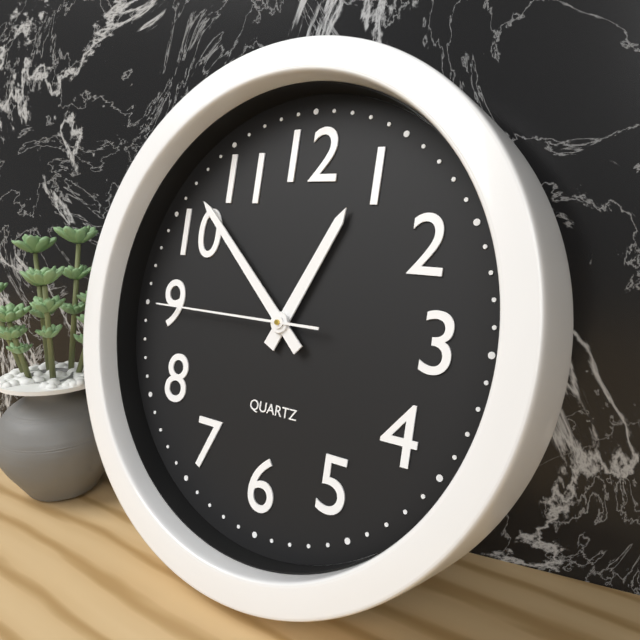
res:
12.52.45
